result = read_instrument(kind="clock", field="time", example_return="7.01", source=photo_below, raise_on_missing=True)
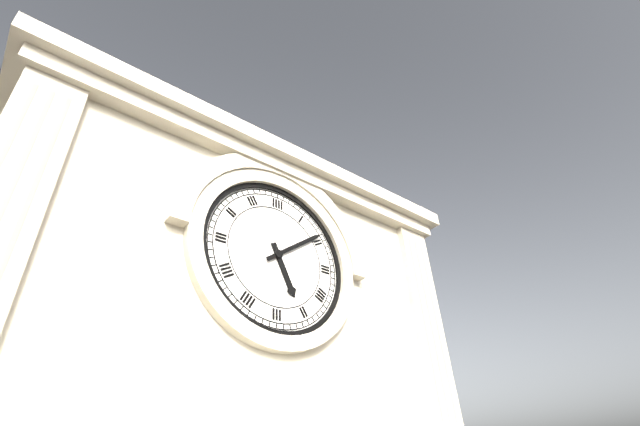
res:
5.09
